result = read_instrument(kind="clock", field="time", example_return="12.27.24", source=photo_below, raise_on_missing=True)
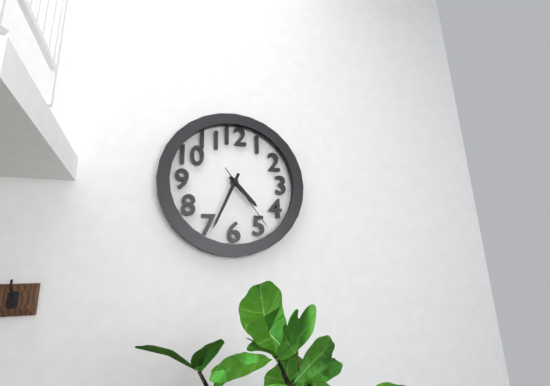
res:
4.34.24
